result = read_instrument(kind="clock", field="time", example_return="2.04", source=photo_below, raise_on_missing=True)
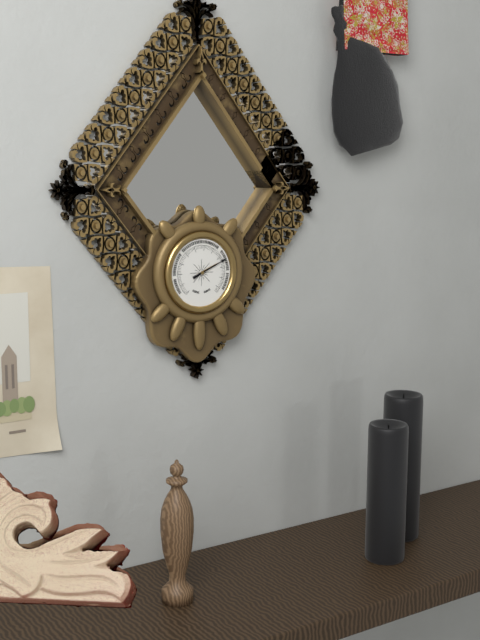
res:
2.11
